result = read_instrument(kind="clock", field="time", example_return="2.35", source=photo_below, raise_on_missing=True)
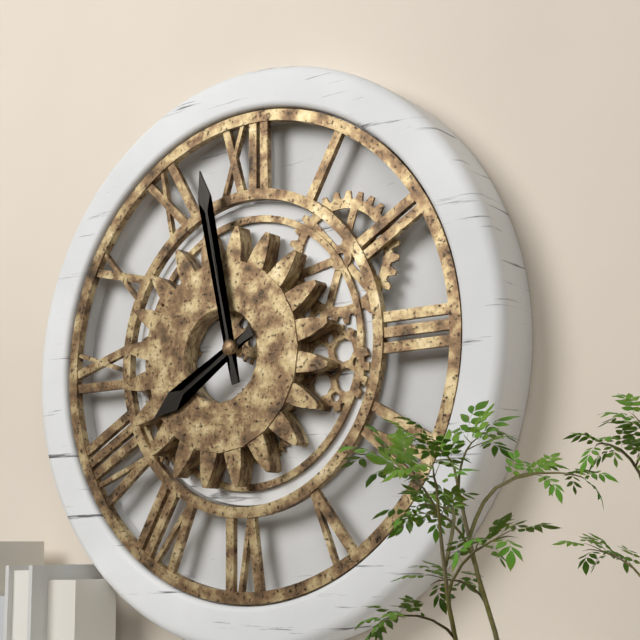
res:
7.58
